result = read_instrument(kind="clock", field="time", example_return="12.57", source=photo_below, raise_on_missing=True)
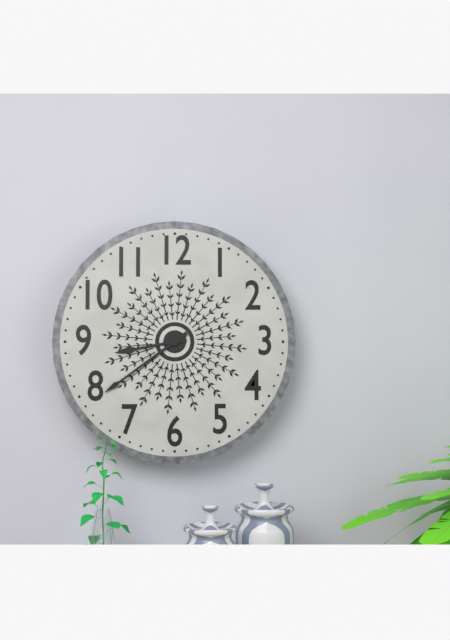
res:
8.39
